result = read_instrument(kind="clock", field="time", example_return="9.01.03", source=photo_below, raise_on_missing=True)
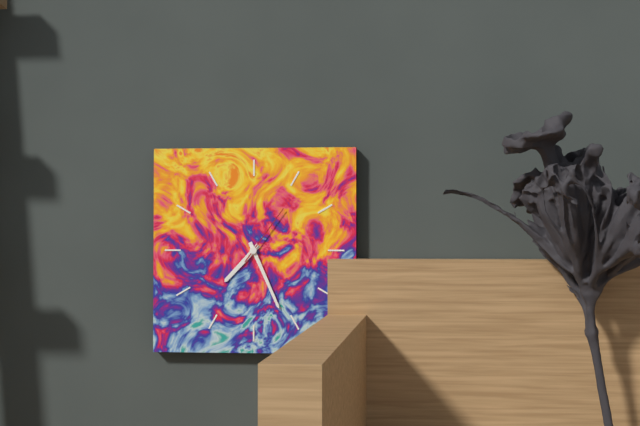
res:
7.26.06
